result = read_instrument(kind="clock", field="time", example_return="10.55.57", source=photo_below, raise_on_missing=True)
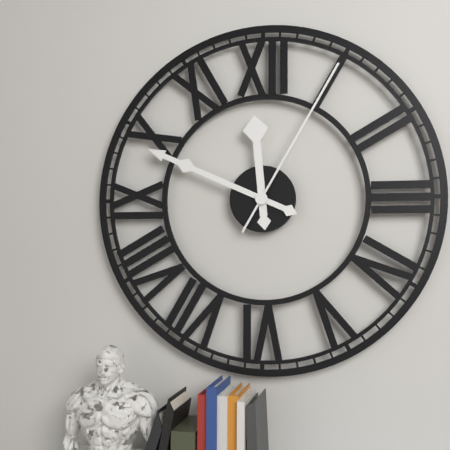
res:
11.49.05
